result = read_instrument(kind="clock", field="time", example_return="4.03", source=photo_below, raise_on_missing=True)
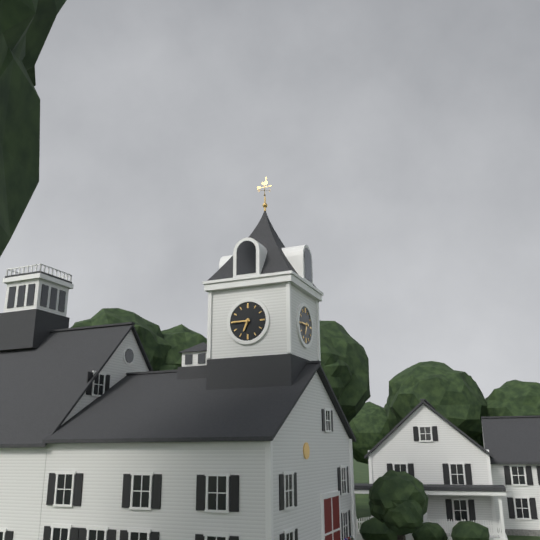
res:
6.45
